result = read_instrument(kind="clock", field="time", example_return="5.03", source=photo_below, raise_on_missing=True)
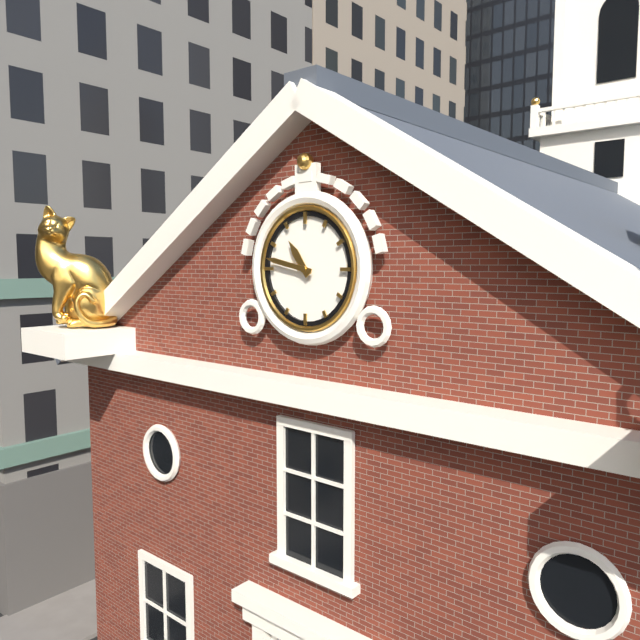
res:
10.47
